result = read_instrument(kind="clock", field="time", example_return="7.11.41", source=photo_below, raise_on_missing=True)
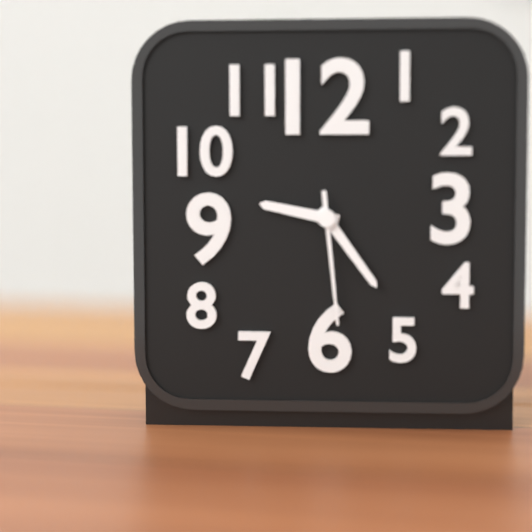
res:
9.24.29
